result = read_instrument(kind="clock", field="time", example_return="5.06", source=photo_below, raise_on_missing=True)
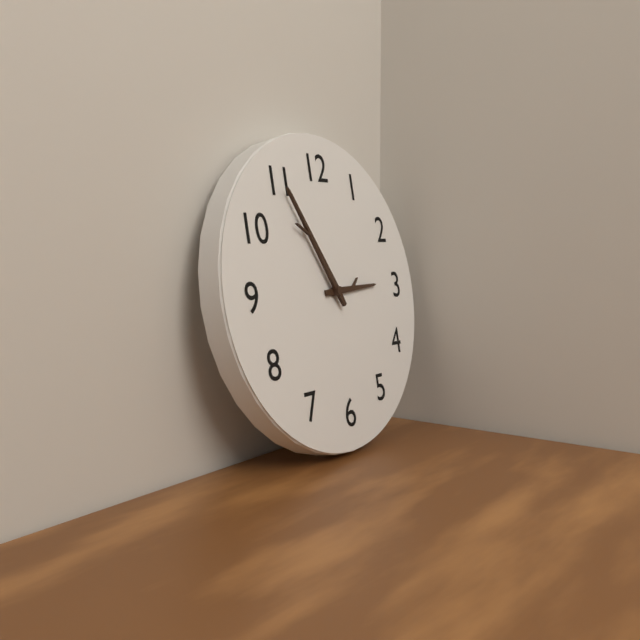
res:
2.55
